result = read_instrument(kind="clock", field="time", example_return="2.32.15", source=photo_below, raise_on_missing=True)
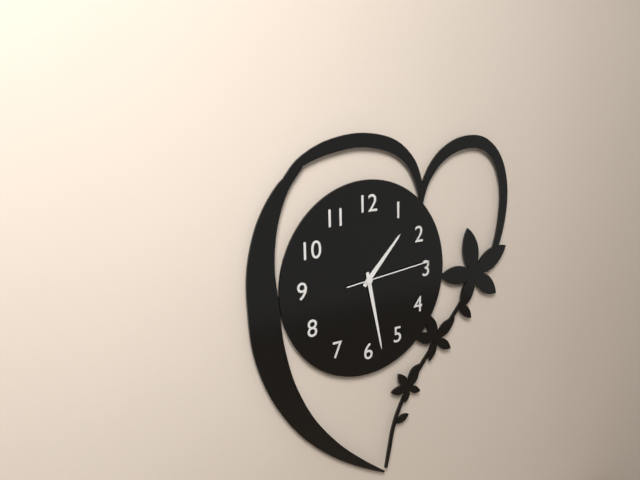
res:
1.28.14
